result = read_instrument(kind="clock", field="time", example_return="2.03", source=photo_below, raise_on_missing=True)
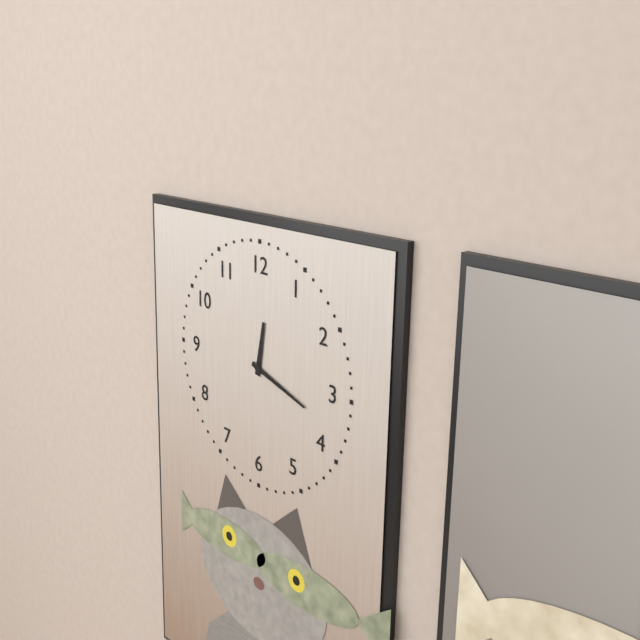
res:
12.18
